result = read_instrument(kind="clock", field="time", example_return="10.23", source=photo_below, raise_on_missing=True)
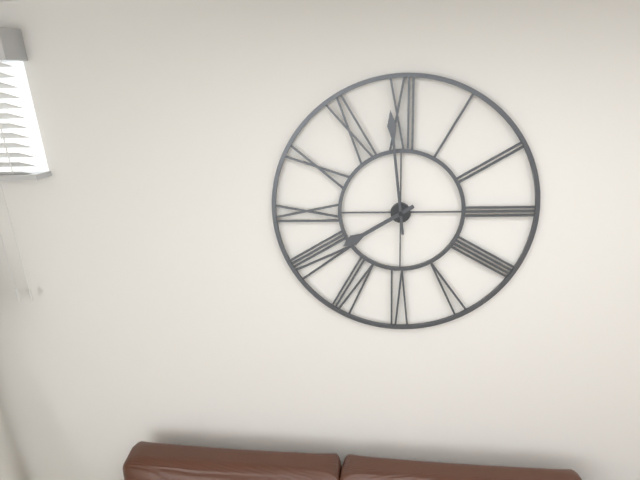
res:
7.59
